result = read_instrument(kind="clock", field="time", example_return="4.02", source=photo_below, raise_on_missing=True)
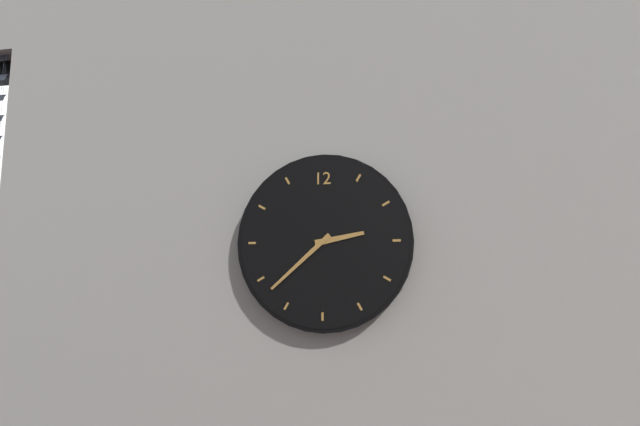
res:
2.38
